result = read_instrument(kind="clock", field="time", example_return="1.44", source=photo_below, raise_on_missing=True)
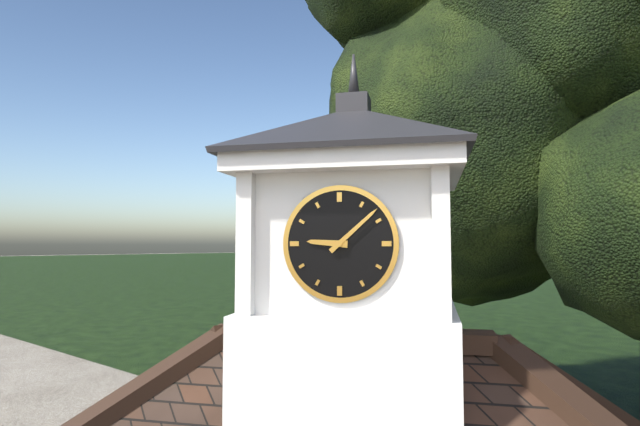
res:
9.08
